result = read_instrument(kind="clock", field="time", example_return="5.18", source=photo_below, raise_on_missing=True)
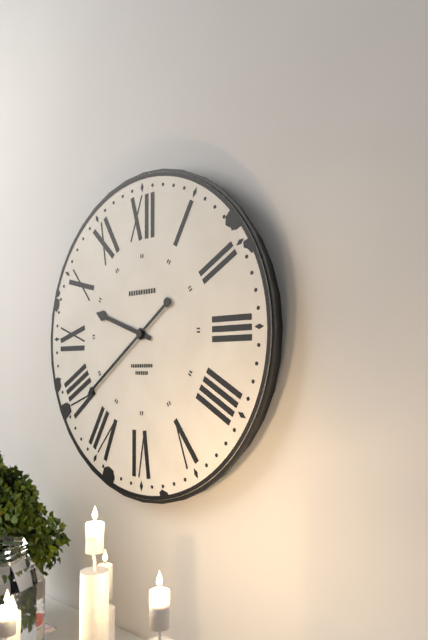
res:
9.39
